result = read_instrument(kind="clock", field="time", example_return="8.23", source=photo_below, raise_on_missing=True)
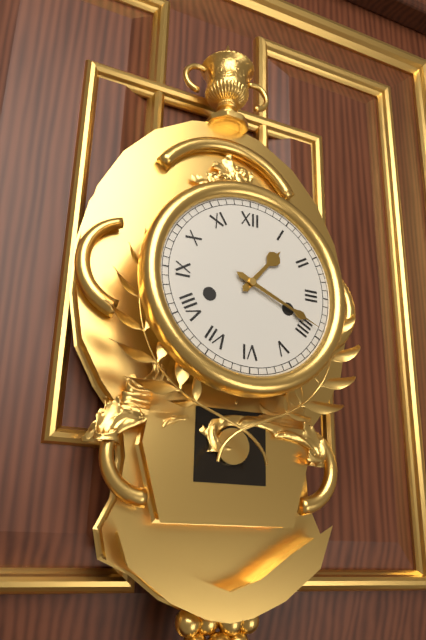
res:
1.19
